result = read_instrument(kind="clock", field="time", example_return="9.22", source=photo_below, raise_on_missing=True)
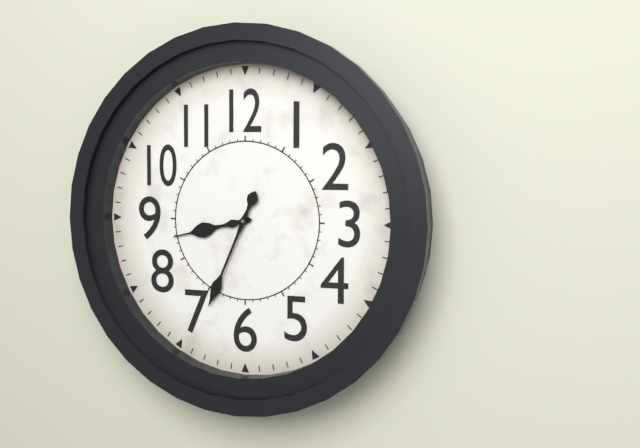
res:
8.34
